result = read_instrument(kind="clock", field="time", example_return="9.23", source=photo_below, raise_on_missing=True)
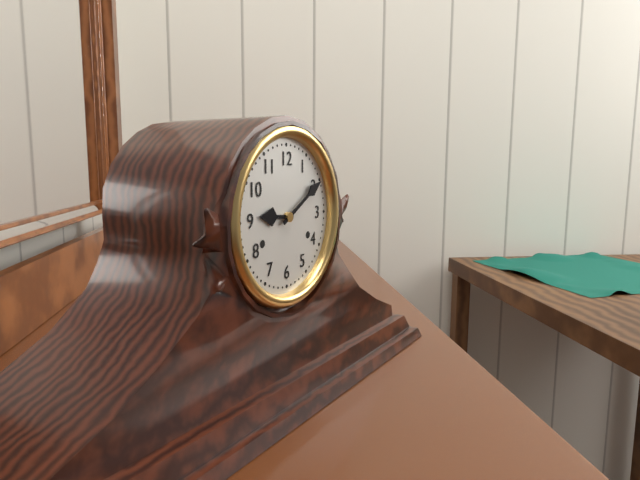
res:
9.10
